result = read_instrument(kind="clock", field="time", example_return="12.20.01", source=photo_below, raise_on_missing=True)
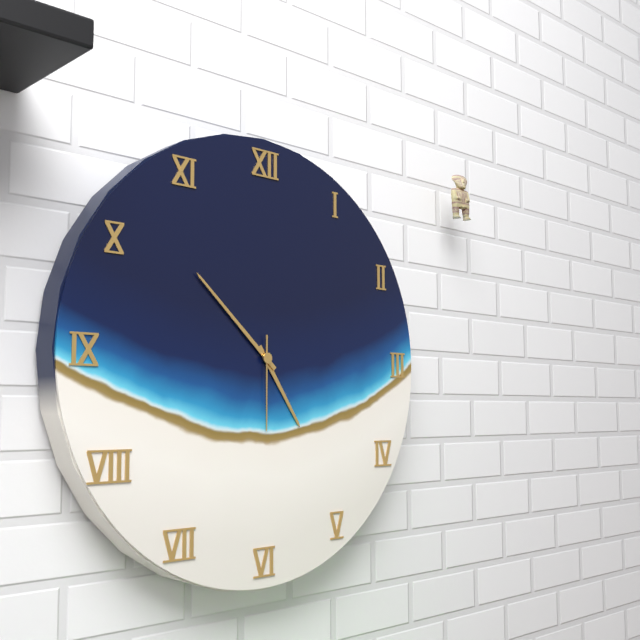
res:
4.52.30
